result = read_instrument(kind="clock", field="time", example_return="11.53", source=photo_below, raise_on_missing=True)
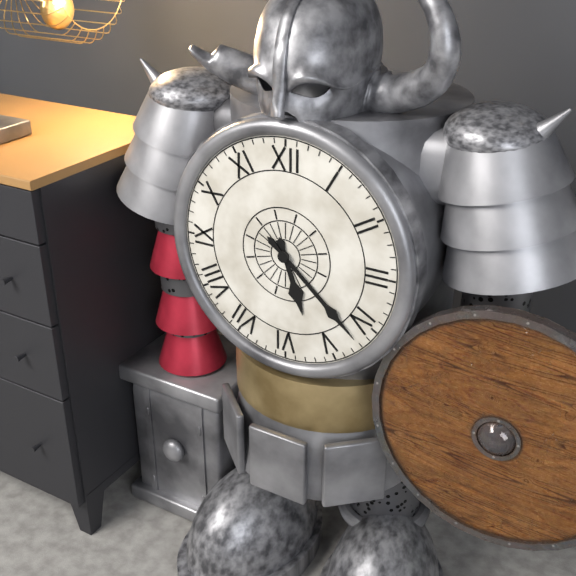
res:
5.22
